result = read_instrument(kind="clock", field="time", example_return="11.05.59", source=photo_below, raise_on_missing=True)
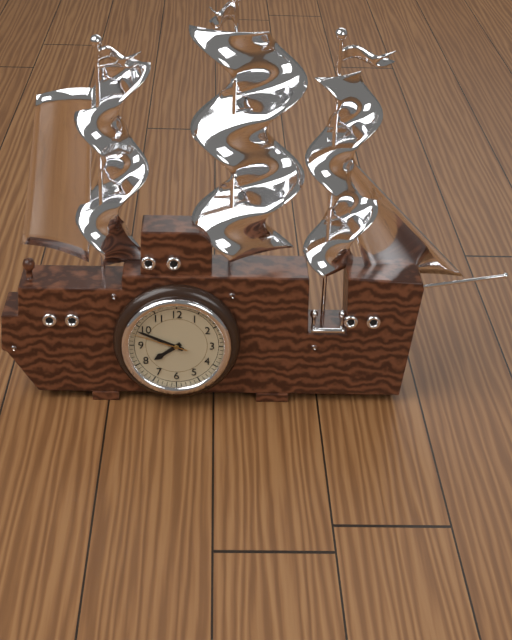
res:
7.49.48
